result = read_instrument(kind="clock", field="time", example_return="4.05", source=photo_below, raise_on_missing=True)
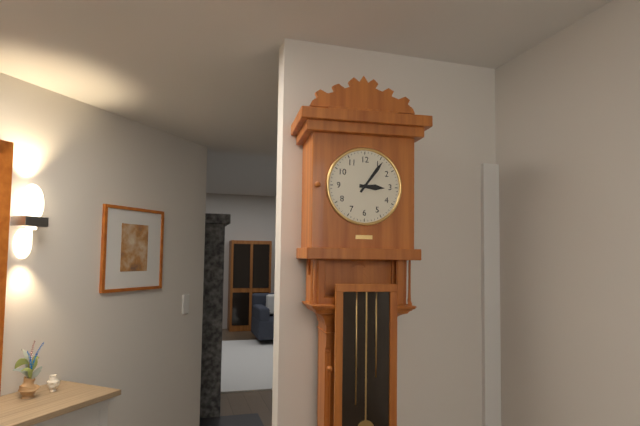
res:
3.06
